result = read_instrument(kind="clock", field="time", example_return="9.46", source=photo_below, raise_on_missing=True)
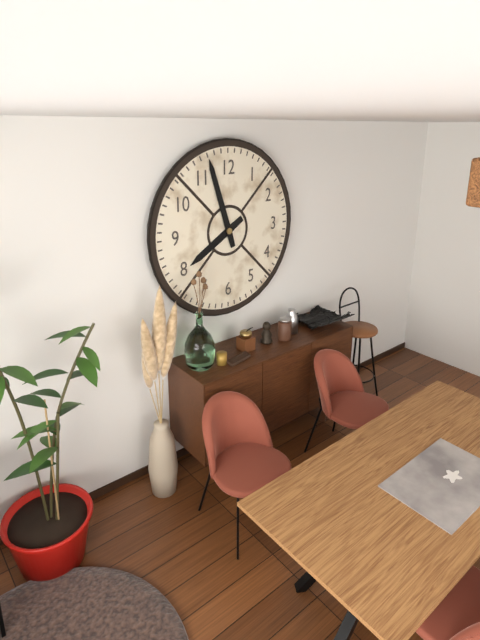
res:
7.57
